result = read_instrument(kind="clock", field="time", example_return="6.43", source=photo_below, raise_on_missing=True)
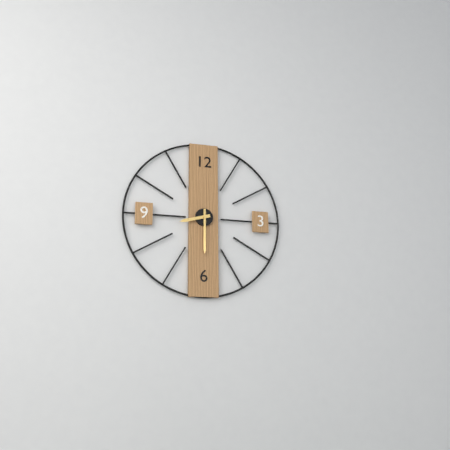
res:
8.30
